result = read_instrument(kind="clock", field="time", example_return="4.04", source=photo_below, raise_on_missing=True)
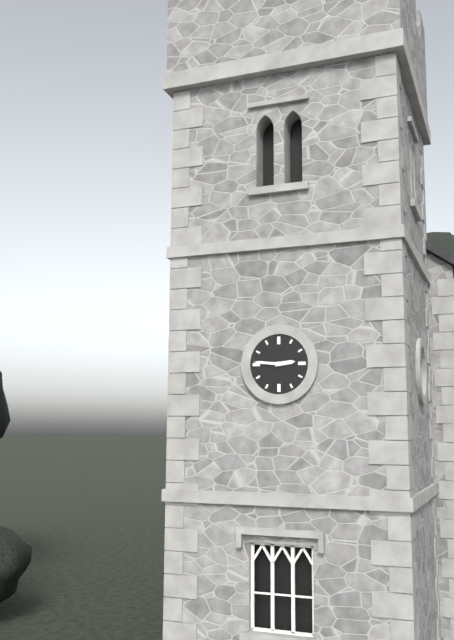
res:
2.46
